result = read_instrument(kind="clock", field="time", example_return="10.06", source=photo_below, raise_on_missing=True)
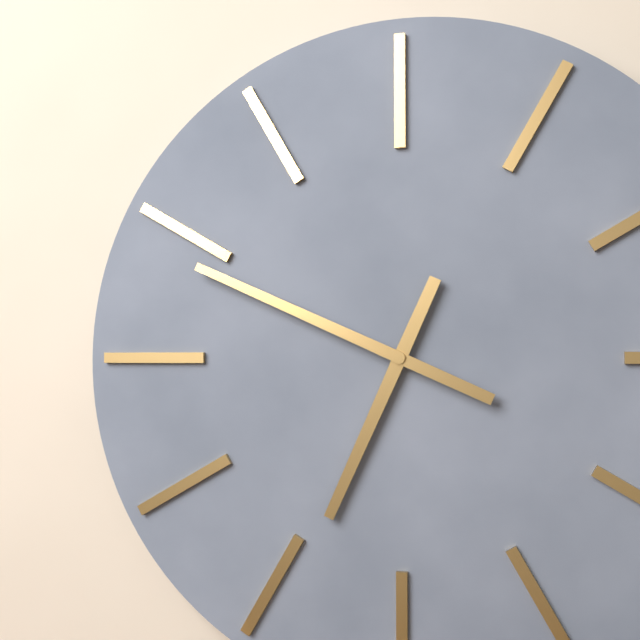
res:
6.49
